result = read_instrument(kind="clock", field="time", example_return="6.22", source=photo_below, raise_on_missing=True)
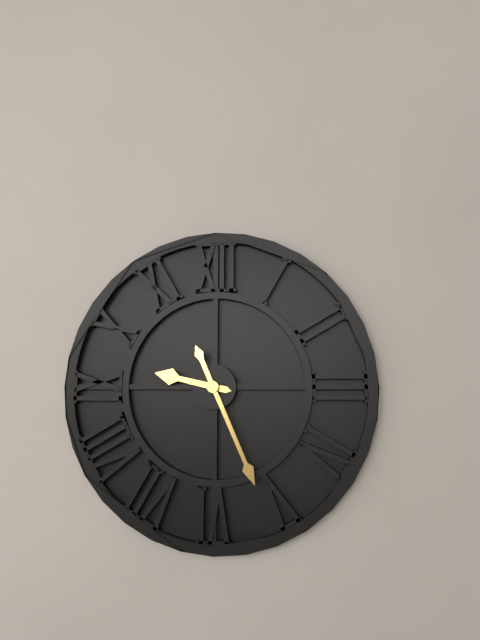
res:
9.26
